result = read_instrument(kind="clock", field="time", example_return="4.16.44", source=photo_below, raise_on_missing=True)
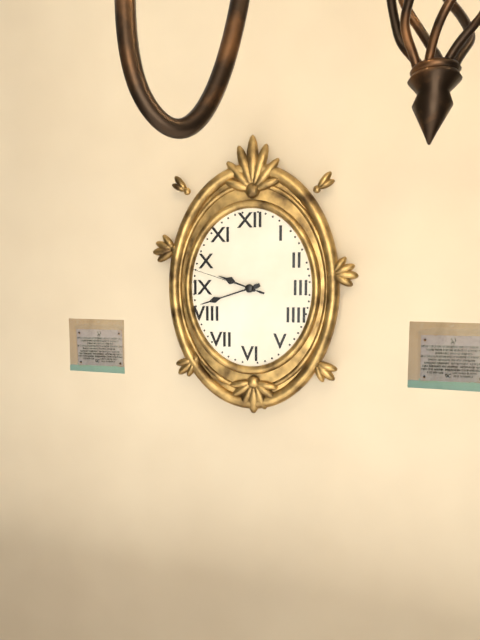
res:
9.42.48
